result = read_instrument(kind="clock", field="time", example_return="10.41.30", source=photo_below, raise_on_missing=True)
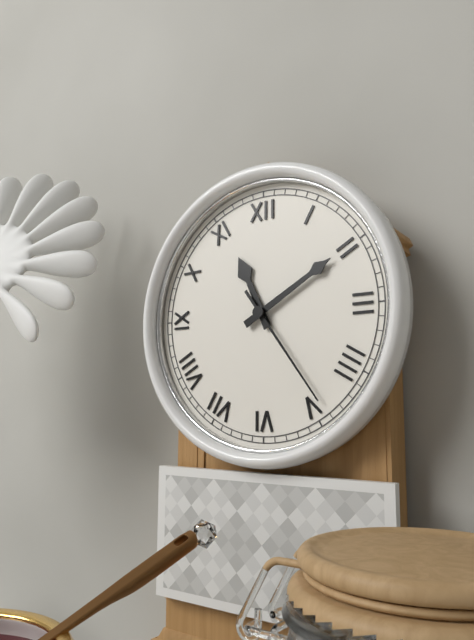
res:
11.10.24
